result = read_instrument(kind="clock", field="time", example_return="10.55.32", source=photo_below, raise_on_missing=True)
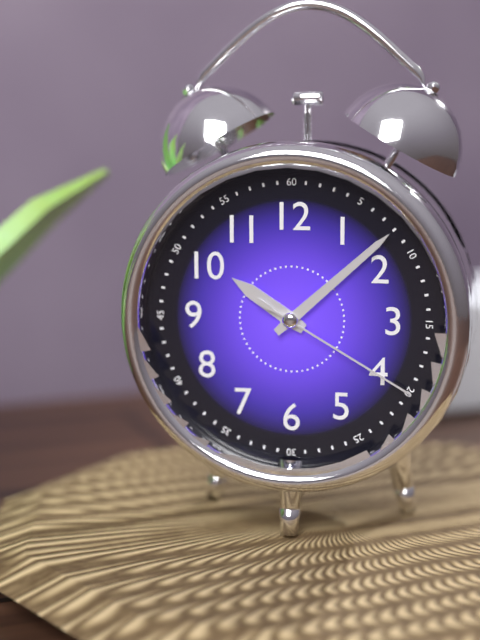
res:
10.08.20
